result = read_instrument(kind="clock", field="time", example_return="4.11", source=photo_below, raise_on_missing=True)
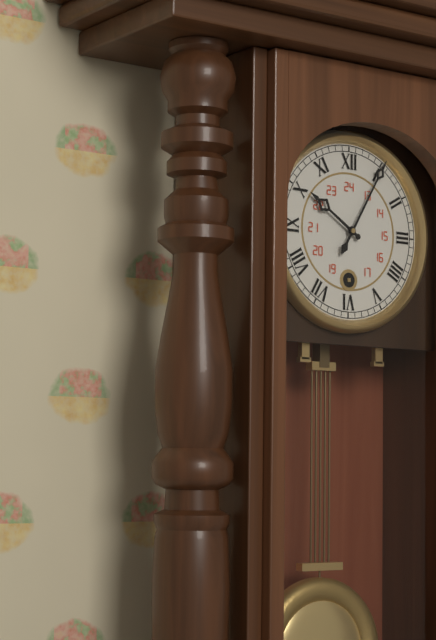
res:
10.05
